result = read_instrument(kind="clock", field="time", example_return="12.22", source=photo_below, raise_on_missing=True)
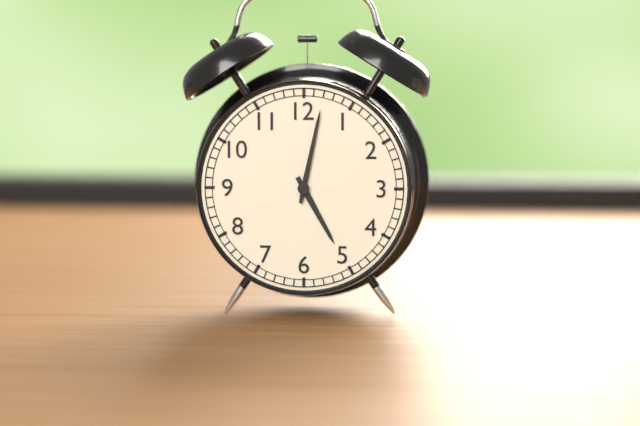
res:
5.02
